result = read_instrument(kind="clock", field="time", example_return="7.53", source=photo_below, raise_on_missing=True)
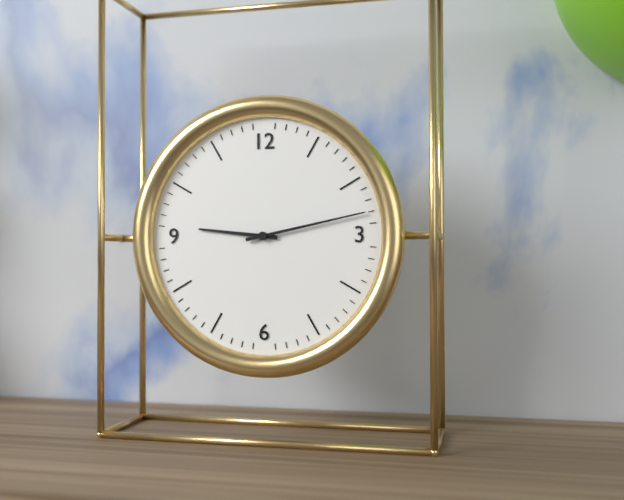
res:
9.13
